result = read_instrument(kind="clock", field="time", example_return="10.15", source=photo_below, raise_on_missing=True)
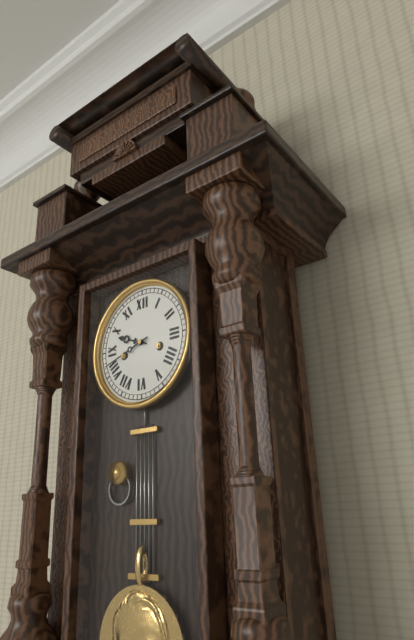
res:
9.42
